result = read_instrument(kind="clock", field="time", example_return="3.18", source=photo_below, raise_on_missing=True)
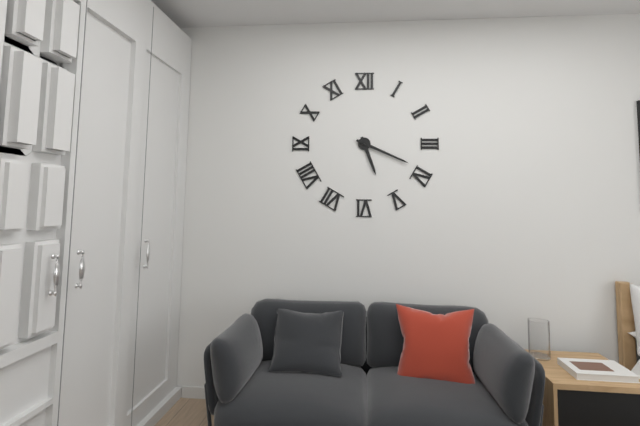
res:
5.19
